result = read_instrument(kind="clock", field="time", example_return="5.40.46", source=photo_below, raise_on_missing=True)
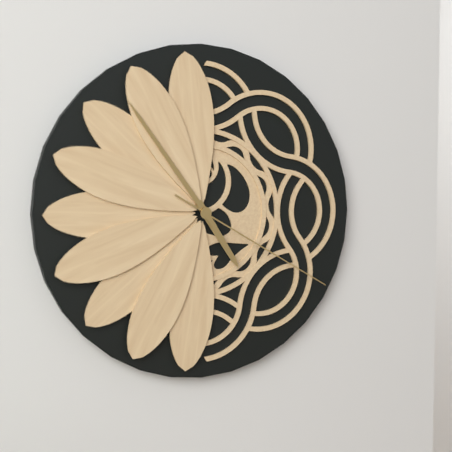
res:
4.54.20
